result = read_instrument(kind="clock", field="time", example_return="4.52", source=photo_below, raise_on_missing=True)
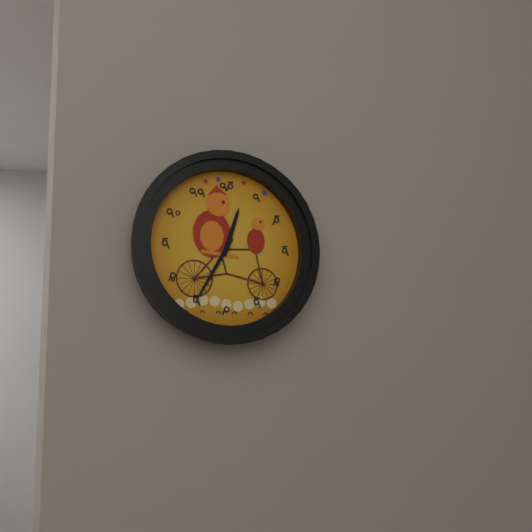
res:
12.35
